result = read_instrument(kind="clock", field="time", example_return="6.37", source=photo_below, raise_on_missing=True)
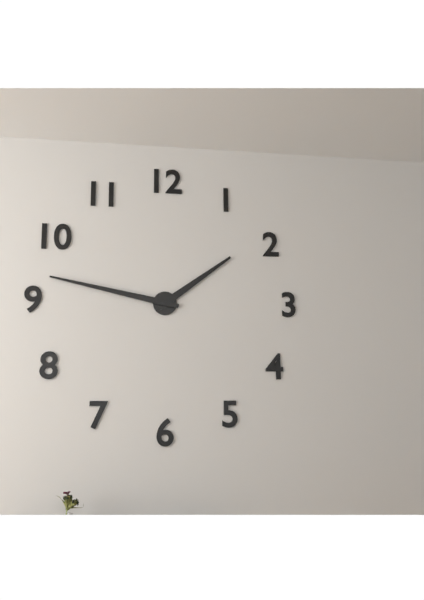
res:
1.47
